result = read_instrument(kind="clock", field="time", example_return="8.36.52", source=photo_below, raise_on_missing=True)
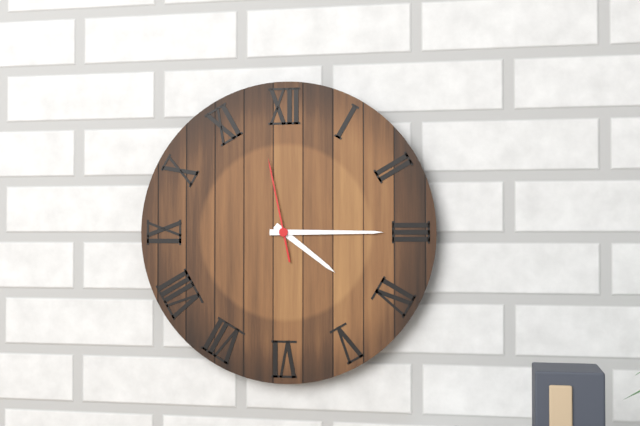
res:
4.15.58
